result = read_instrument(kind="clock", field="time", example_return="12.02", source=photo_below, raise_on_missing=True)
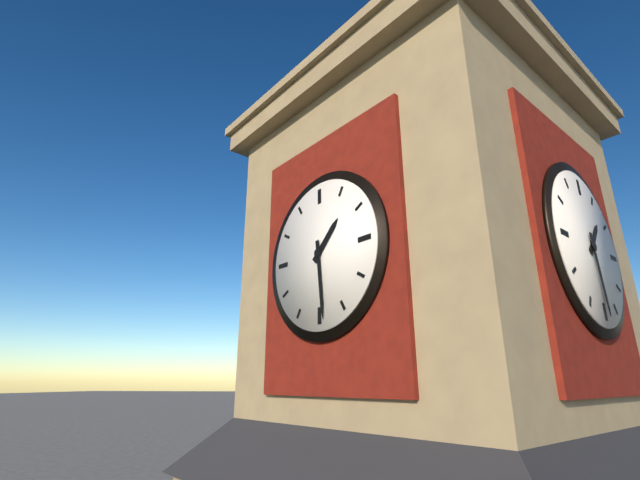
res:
1.29
